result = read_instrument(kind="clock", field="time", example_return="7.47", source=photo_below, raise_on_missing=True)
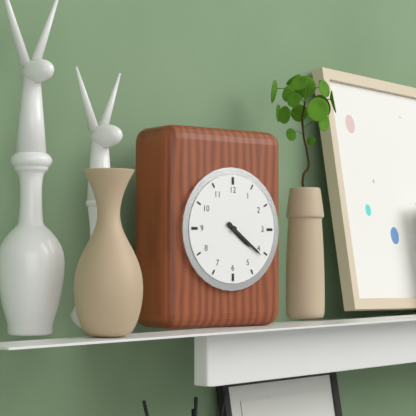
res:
4.21
